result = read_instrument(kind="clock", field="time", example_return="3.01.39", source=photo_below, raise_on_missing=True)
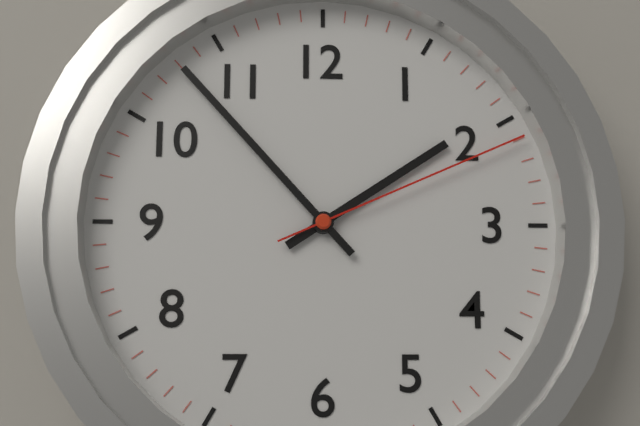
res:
1.53.11
